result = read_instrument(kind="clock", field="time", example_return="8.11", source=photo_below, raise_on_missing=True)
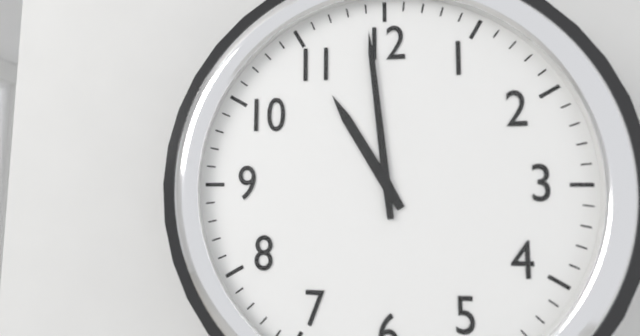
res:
10.59
